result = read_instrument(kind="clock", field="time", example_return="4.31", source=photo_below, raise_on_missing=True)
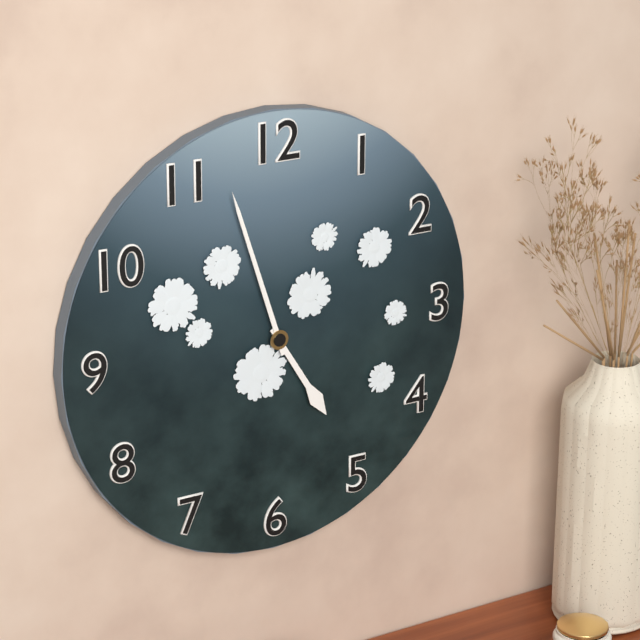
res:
4.57
